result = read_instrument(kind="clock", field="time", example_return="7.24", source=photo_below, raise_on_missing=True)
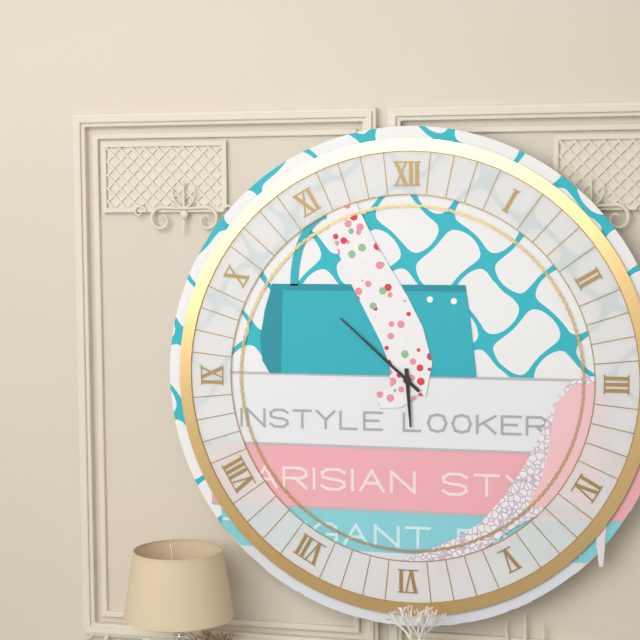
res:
5.52
